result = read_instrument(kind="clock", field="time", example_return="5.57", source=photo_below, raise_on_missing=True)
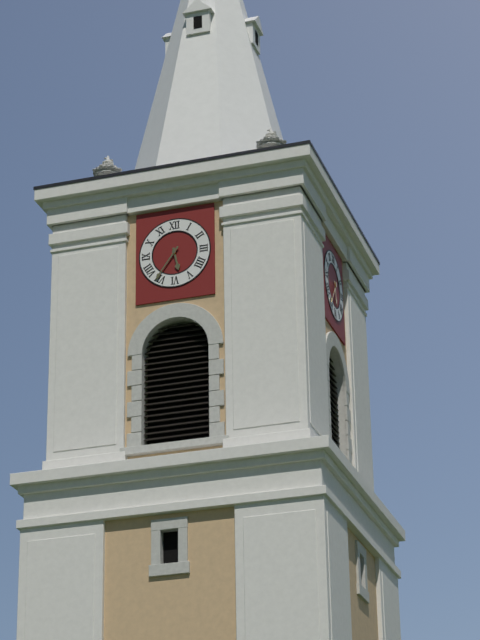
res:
5.36
